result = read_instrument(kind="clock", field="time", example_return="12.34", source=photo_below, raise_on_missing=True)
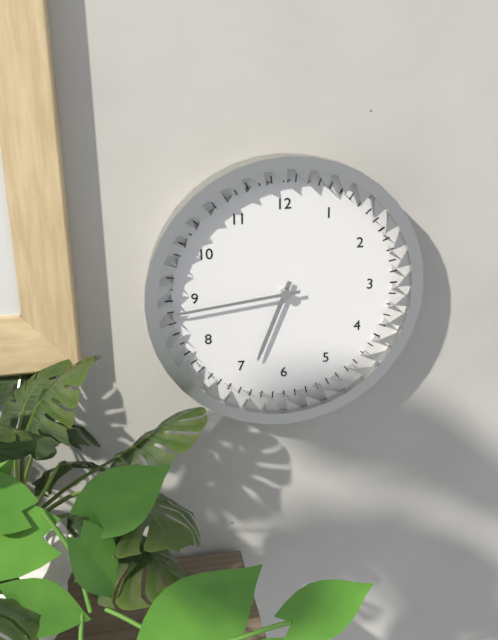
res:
6.44
